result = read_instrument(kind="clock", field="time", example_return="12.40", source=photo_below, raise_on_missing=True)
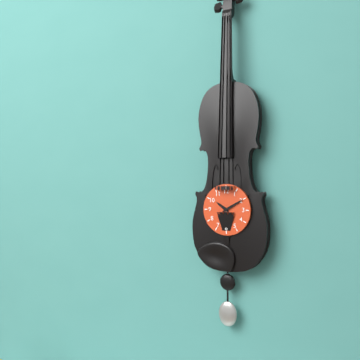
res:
10.10
